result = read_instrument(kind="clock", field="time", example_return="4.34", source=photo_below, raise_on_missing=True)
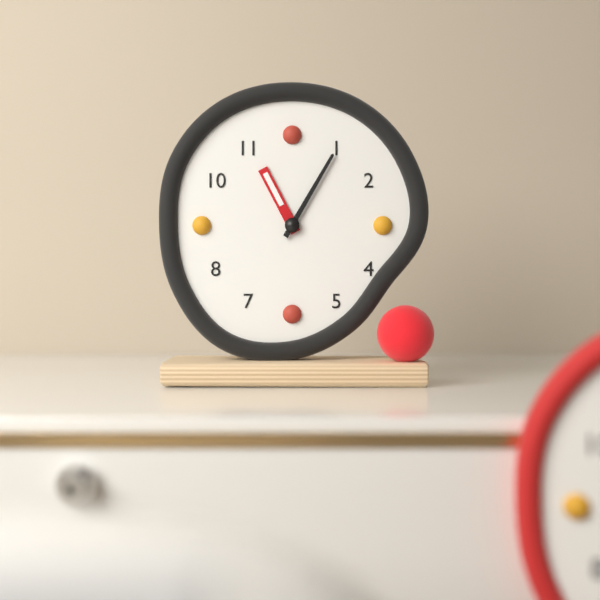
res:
11.05
